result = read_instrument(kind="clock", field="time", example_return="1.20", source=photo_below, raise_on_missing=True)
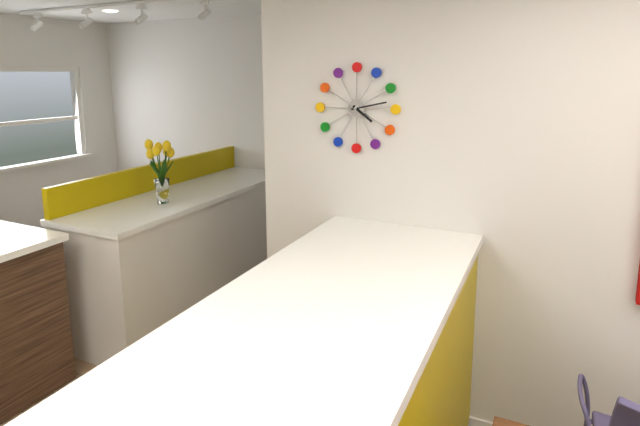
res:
4.13
